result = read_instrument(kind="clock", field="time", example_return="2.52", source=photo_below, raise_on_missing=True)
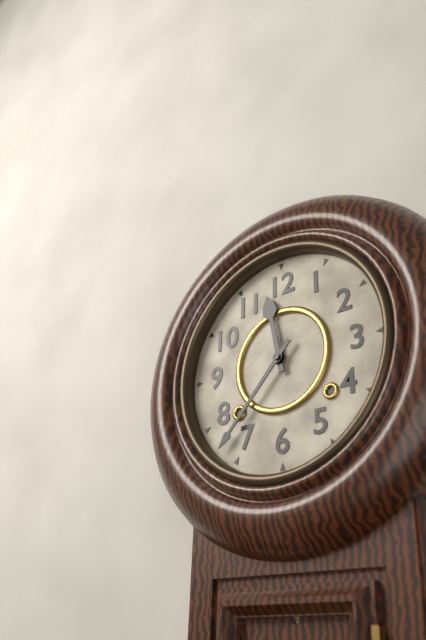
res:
11.37
